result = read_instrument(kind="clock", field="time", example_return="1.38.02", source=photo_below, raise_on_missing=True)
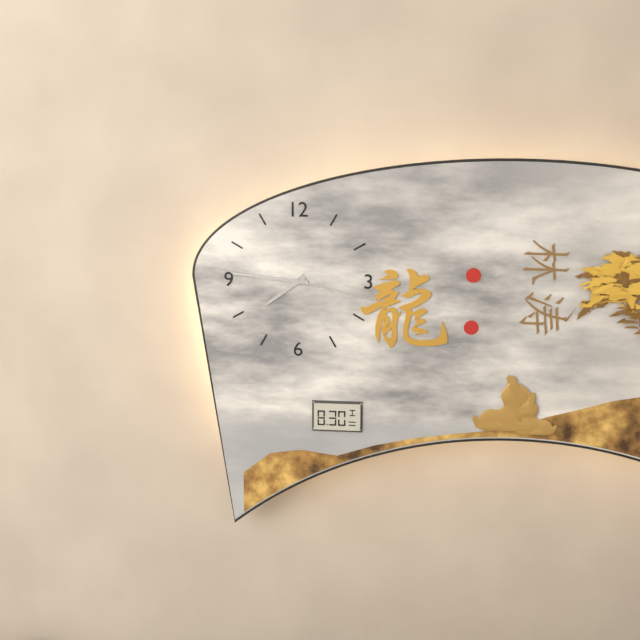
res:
7.46.17
